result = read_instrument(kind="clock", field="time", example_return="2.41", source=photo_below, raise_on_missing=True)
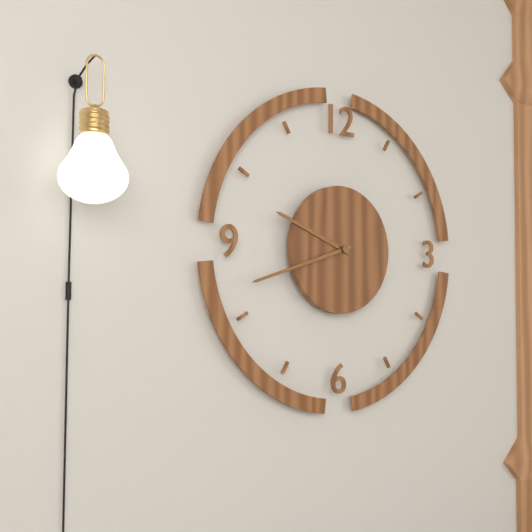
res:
9.42
